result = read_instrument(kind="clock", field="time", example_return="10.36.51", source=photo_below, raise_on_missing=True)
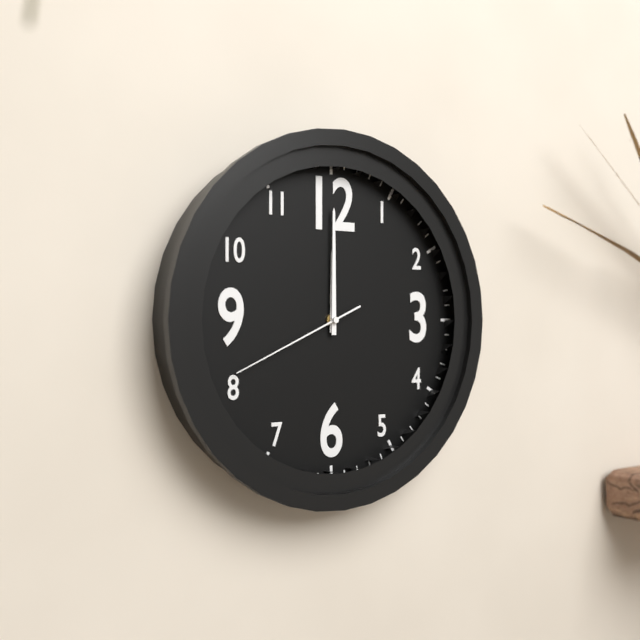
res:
12.00.41
